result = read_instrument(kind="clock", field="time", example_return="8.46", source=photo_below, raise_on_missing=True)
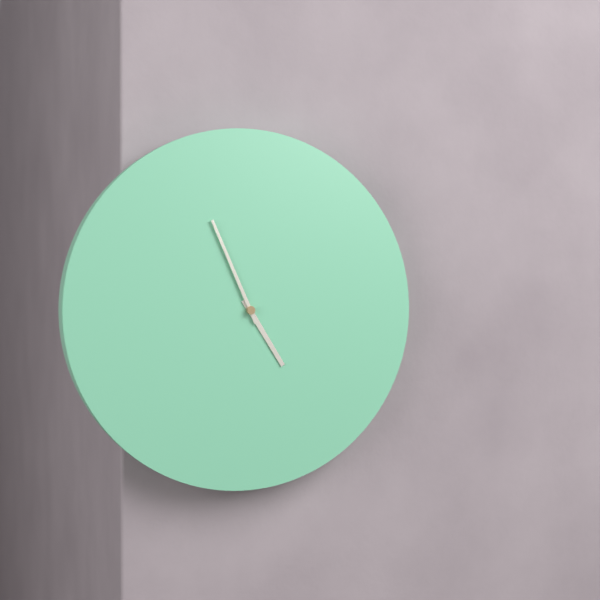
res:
4.56
